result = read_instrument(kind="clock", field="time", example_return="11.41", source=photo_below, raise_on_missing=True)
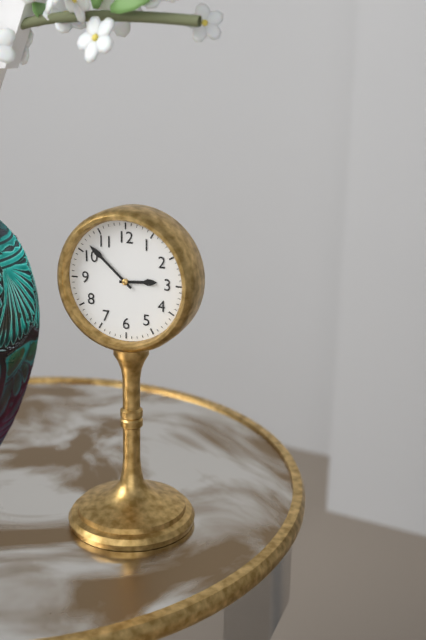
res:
2.52
